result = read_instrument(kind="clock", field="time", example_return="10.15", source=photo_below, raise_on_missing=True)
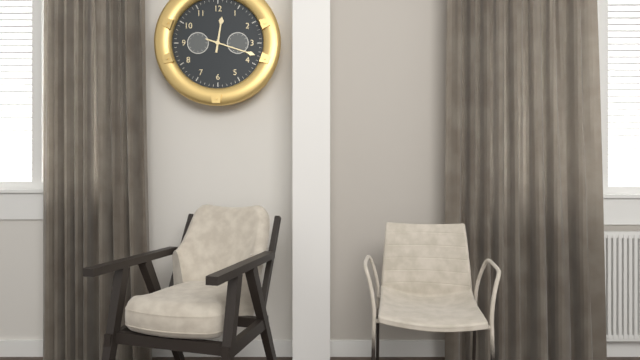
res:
12.18
